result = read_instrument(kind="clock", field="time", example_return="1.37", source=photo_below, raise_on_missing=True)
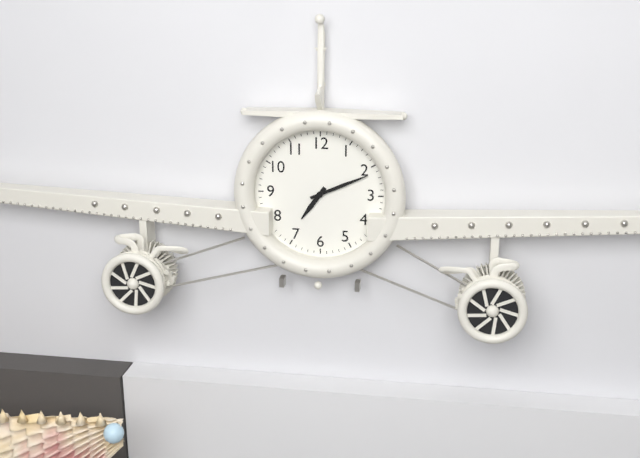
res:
7.11
